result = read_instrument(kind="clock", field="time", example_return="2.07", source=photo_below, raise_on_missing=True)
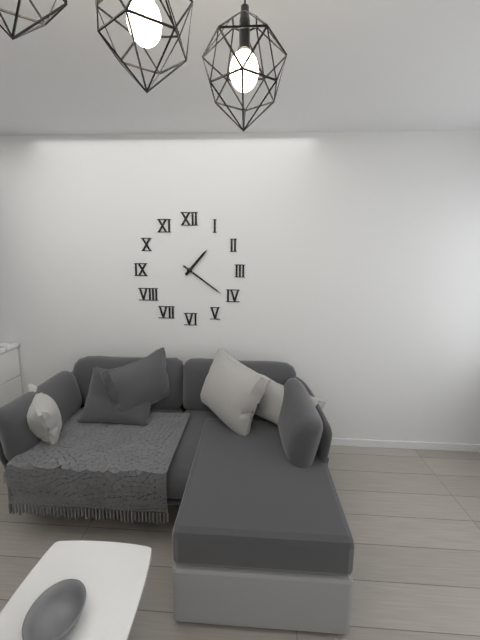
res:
1.21
